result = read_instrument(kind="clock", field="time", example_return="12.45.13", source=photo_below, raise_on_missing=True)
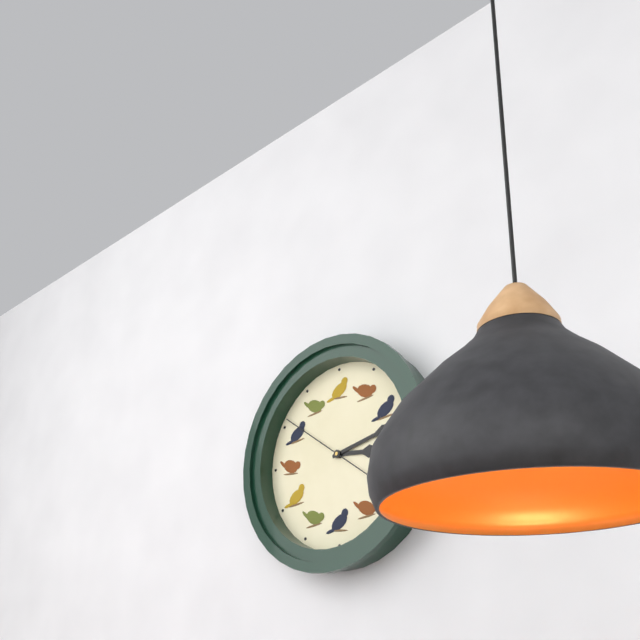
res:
3.13.51
